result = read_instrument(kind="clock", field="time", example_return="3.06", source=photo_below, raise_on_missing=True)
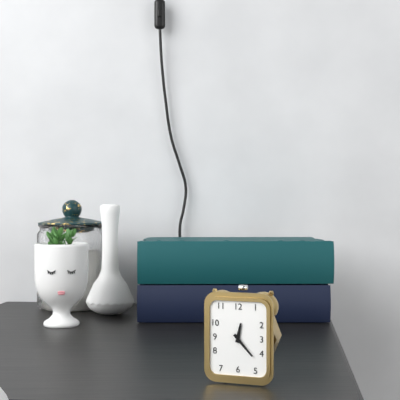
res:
12.23
